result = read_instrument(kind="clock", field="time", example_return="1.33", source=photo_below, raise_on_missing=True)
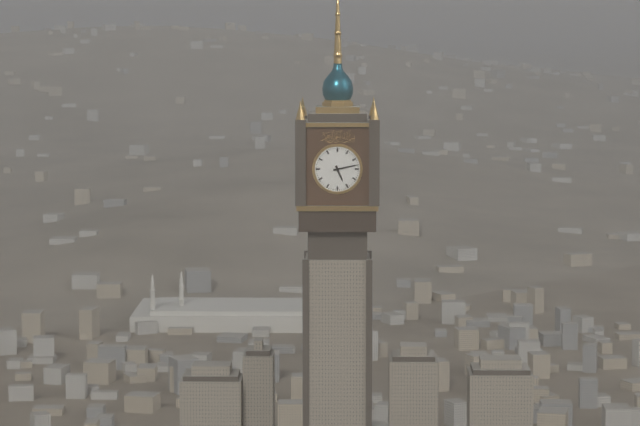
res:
5.13
